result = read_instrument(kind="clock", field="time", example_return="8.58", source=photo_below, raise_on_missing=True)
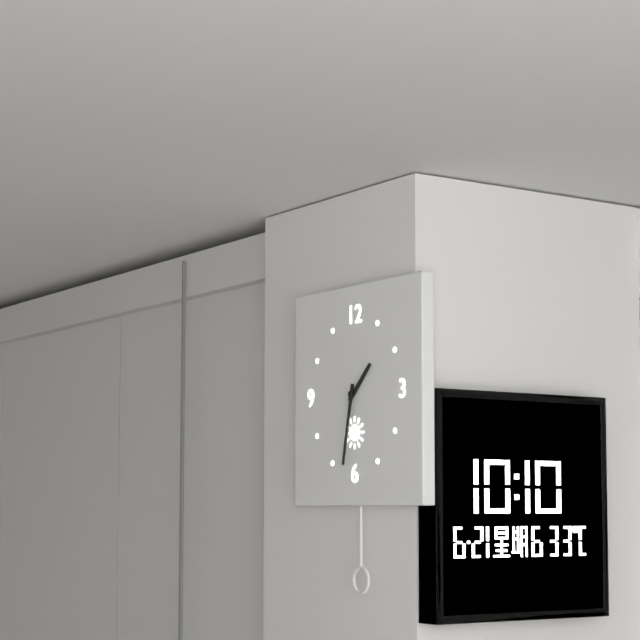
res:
1.32
